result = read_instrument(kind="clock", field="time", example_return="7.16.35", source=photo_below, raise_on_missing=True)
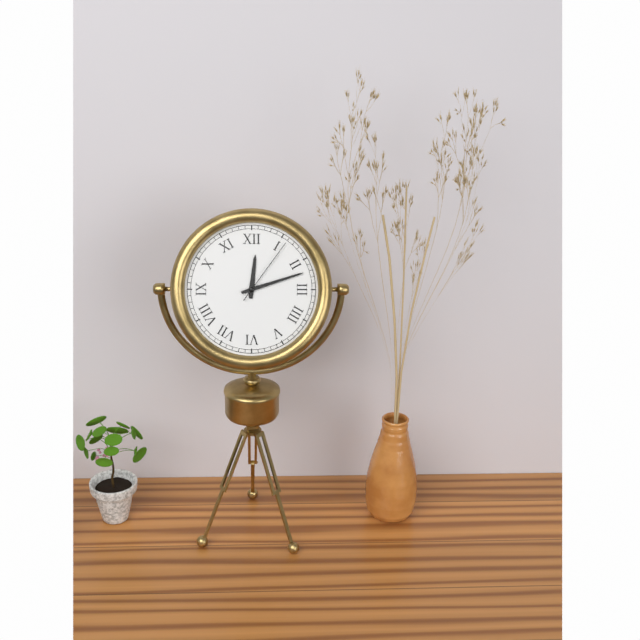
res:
12.12.06
